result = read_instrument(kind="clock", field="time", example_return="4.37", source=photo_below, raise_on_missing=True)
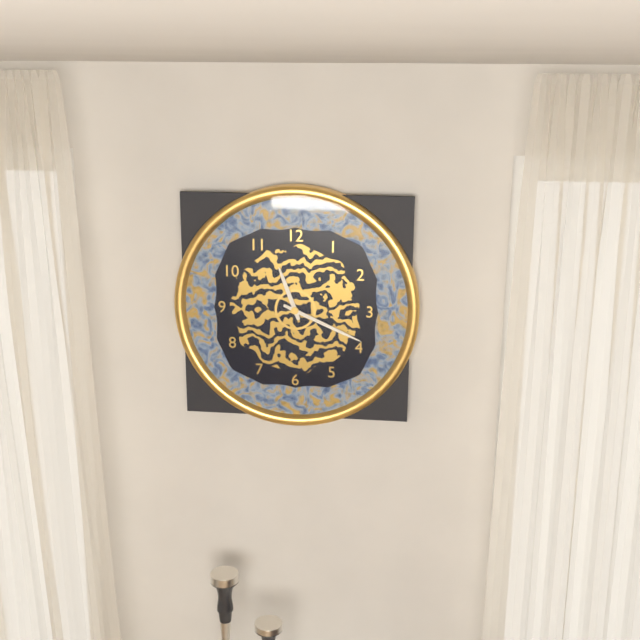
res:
11.19
